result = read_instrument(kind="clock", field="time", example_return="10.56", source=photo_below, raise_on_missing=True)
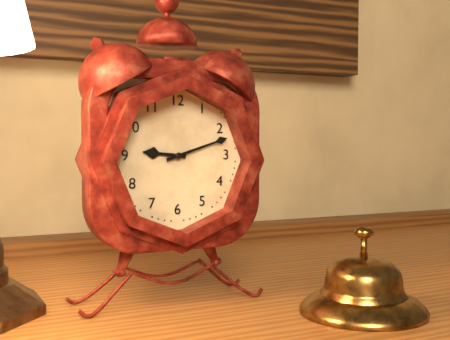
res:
9.12
